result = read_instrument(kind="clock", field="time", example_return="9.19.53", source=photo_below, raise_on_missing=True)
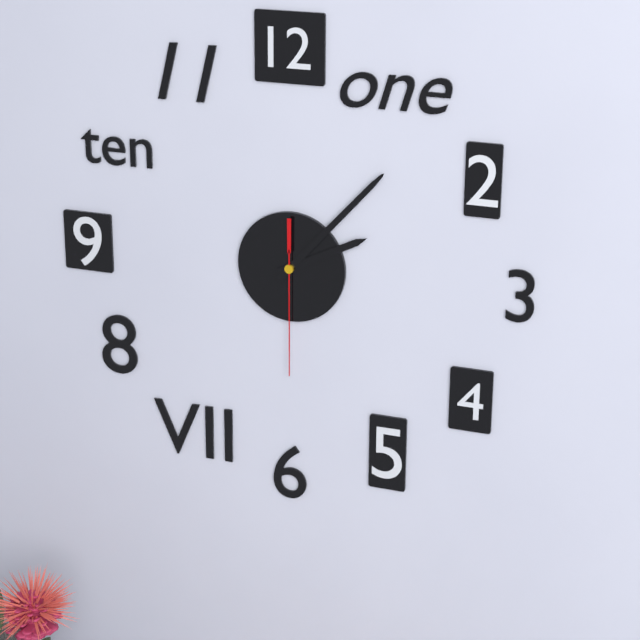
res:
2.07.30
